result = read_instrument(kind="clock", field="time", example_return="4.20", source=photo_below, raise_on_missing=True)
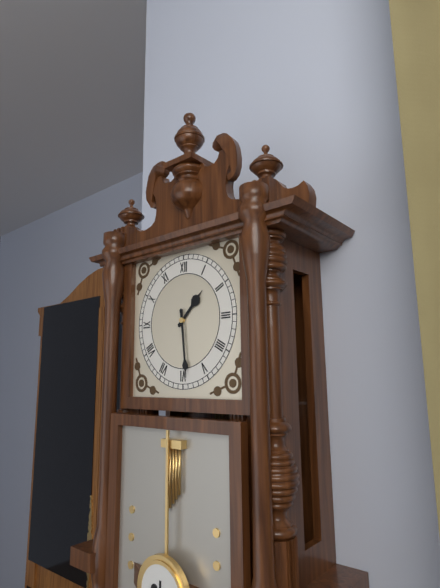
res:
1.29
